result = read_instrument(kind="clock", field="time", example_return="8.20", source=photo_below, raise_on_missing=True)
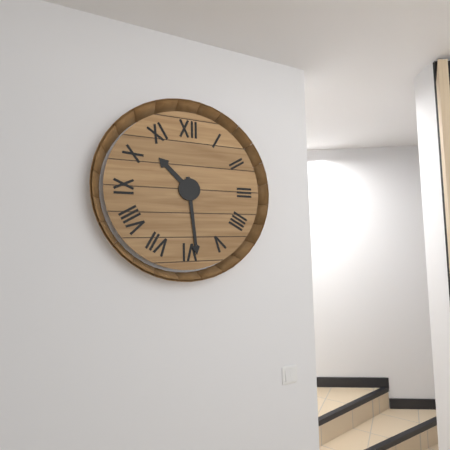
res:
10.29
